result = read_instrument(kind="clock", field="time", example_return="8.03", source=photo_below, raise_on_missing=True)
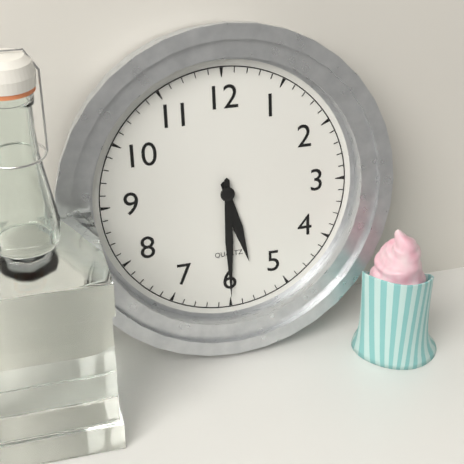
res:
5.30
